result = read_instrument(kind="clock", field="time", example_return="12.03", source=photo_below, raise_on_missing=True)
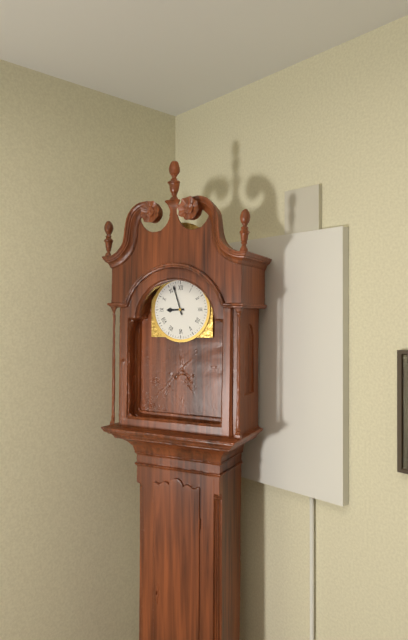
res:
8.57
